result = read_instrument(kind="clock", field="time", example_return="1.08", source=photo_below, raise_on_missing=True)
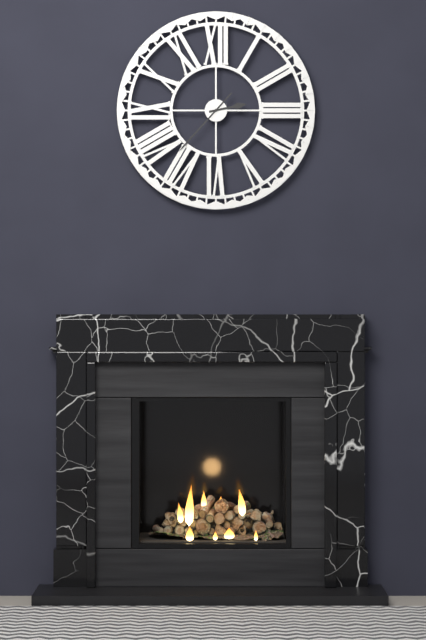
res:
2.37
